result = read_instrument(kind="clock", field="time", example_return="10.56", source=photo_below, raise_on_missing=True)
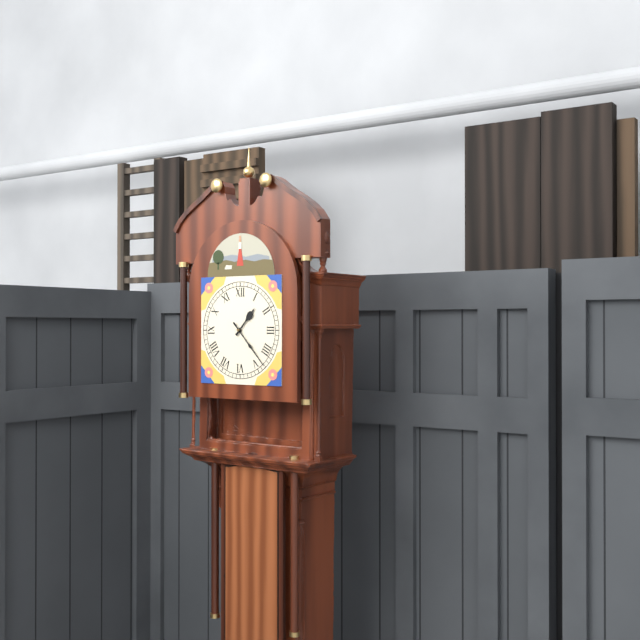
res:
1.23
